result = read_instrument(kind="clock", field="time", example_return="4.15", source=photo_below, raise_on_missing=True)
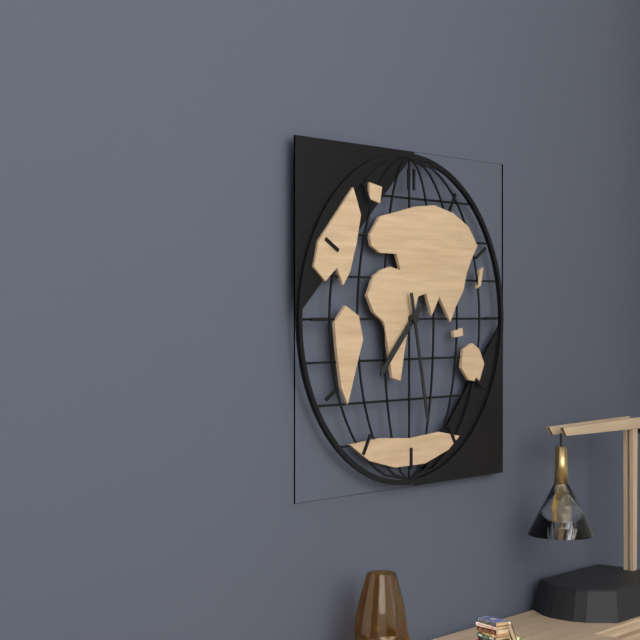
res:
7.28
